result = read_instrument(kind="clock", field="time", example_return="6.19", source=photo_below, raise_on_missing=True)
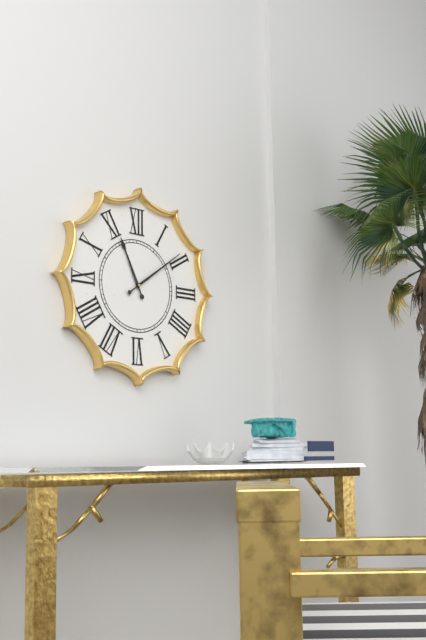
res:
11.09
